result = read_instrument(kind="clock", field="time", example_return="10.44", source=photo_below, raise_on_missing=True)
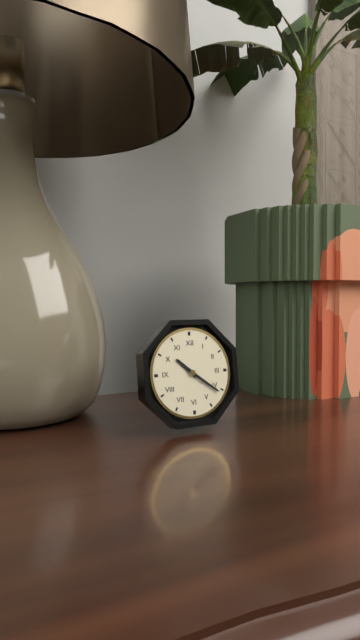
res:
10.21
